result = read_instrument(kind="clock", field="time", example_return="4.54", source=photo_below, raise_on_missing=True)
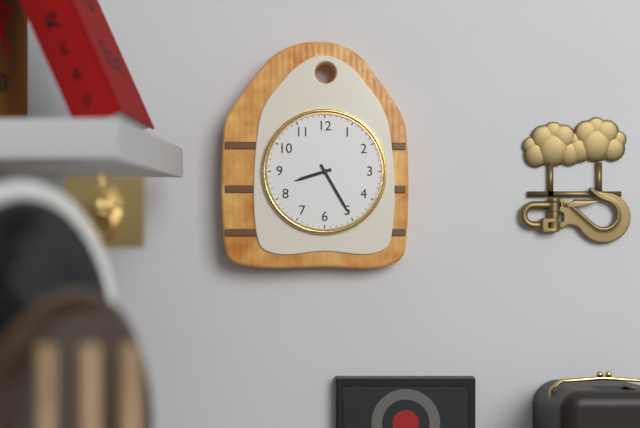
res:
8.25
